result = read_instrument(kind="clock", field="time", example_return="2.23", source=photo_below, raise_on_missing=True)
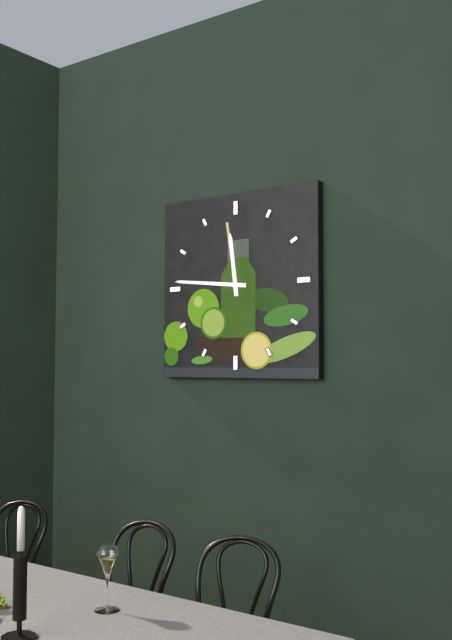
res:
11.46
